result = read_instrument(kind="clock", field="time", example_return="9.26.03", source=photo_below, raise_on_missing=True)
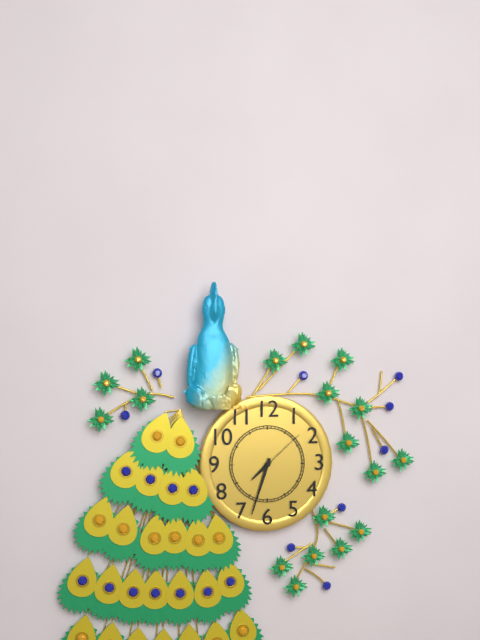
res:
7.33.08
